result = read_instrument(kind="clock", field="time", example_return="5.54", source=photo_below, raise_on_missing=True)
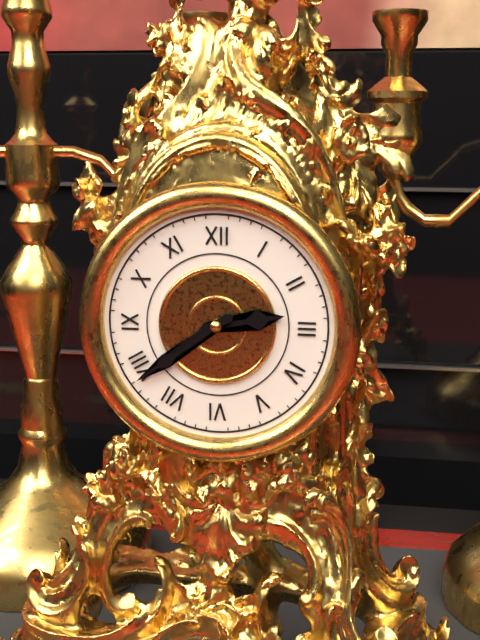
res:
2.39
